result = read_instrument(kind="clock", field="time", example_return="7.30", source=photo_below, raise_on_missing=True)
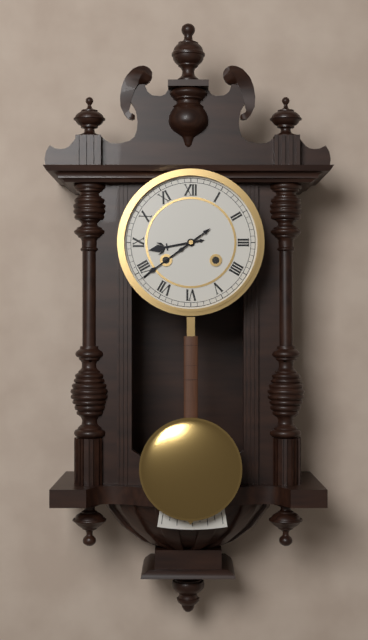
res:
8.39
